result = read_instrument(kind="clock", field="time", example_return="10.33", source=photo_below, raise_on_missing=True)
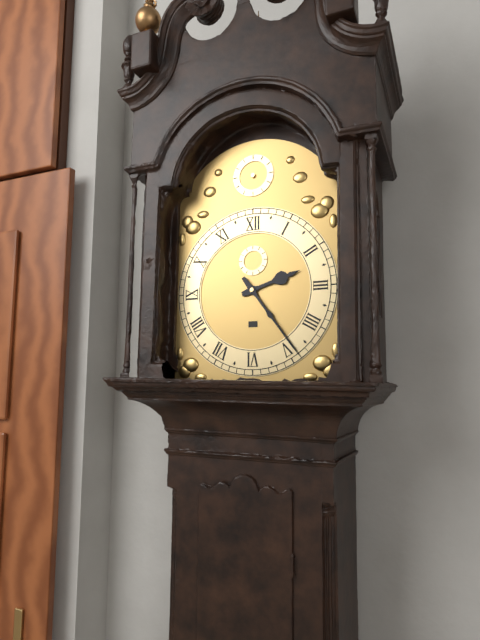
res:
2.24
